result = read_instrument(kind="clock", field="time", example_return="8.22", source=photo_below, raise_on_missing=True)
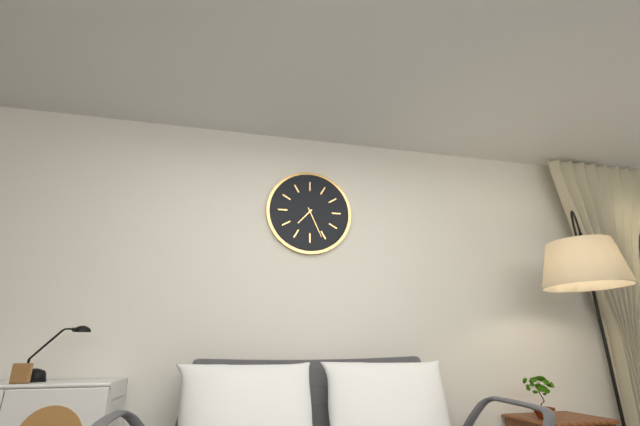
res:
7.26
